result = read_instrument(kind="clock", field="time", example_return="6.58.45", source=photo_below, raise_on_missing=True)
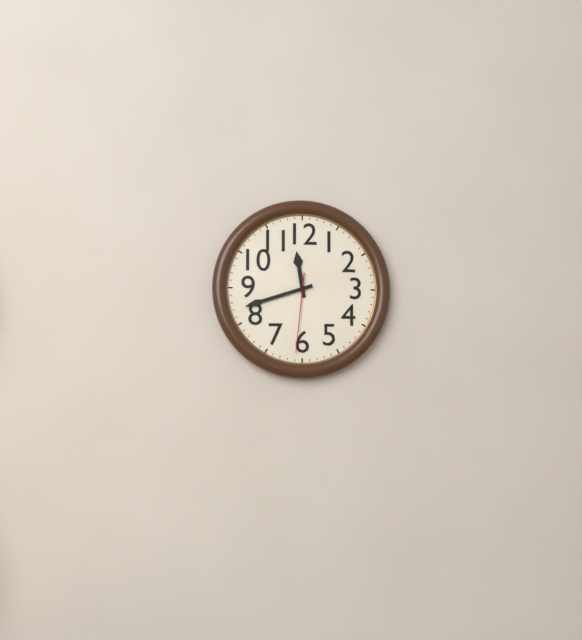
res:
11.42.31
